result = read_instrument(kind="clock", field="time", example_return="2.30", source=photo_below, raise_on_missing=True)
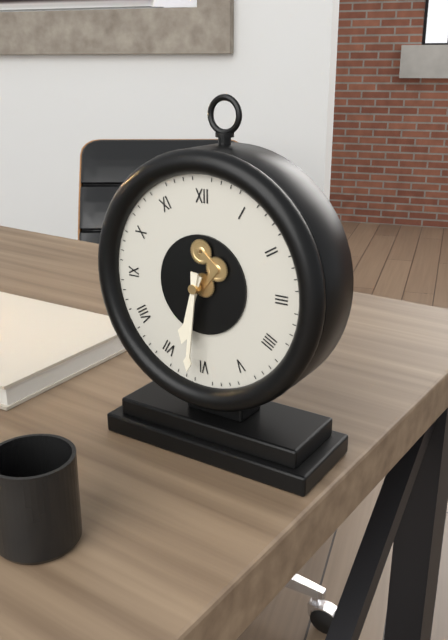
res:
6.31
